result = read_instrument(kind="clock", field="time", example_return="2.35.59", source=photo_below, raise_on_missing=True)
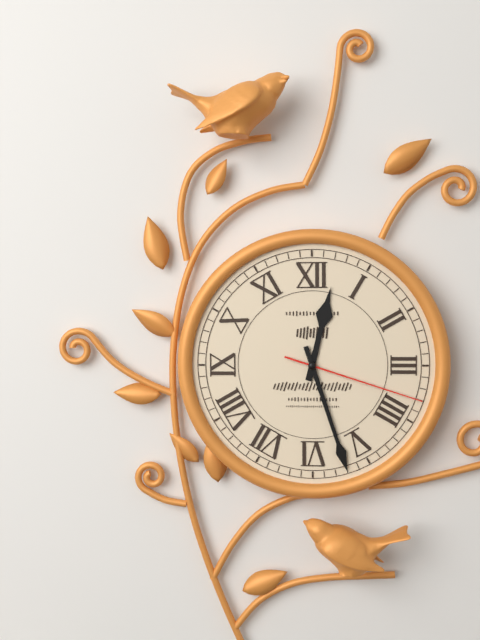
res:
12.27.18
